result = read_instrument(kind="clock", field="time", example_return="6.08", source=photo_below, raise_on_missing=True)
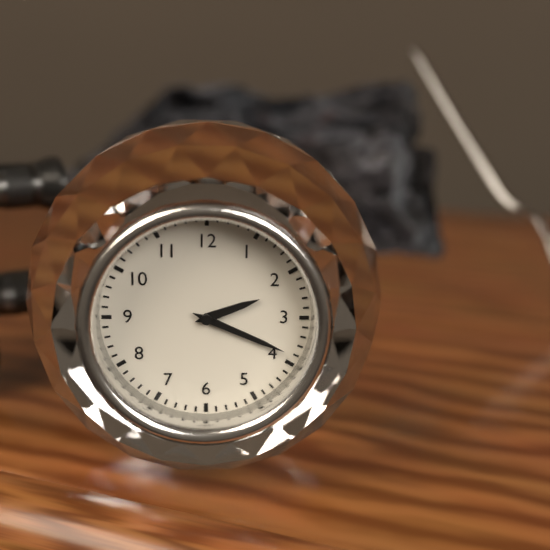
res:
2.19
